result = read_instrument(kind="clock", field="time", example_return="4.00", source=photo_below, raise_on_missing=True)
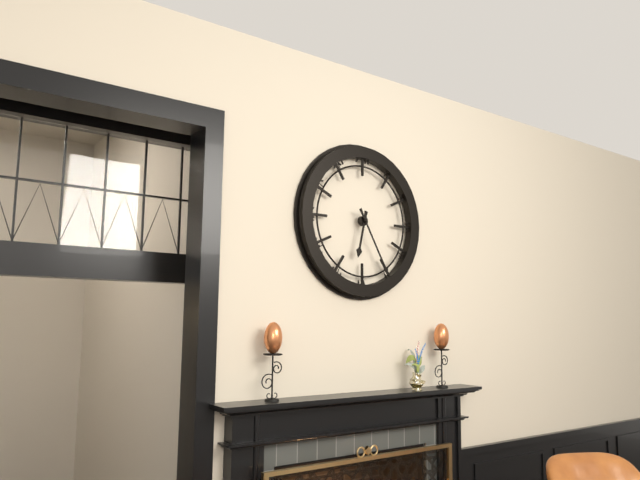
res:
6.25
